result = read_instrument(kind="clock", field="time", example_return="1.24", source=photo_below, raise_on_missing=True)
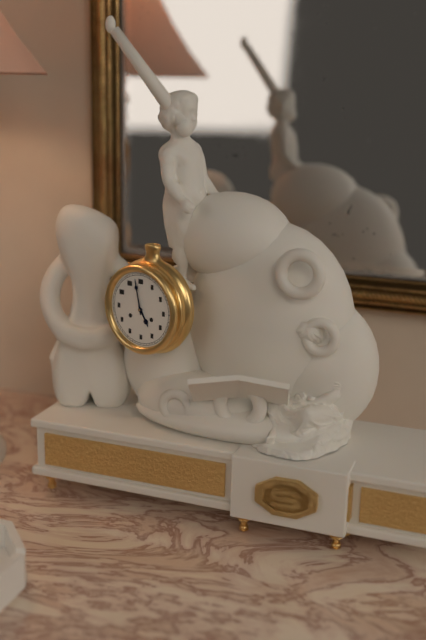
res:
4.58
